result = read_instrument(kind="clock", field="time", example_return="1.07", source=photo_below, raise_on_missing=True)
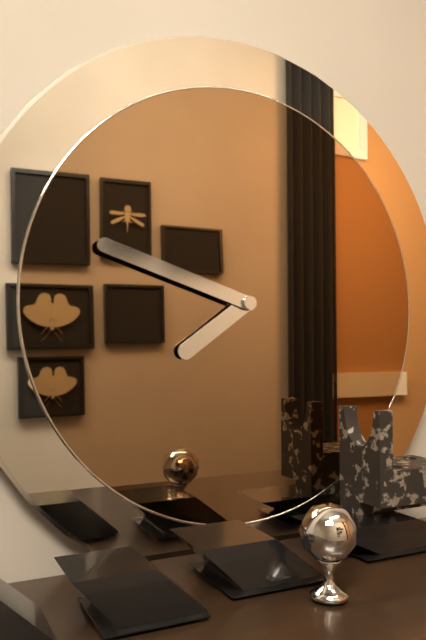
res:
7.48
